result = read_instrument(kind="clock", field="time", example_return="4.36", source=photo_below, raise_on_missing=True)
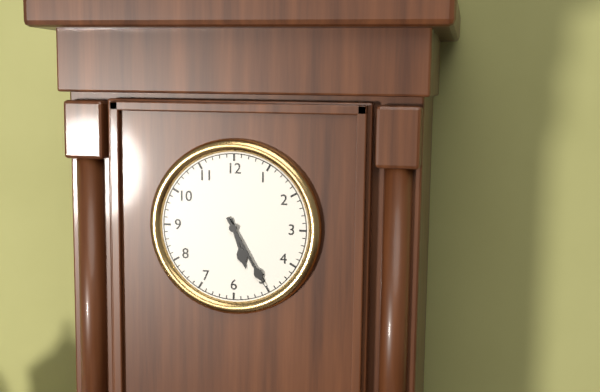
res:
5.25
